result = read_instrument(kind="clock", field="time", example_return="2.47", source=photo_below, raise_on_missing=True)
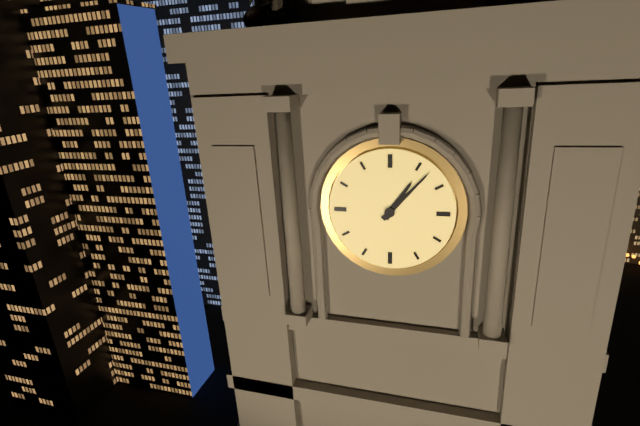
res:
1.07
